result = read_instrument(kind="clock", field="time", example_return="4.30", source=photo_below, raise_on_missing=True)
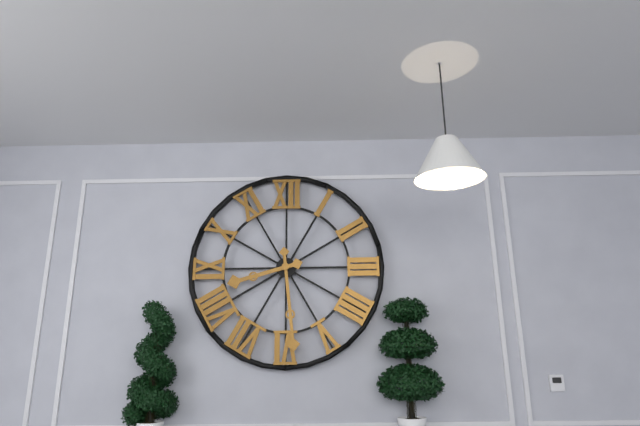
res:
8.29
